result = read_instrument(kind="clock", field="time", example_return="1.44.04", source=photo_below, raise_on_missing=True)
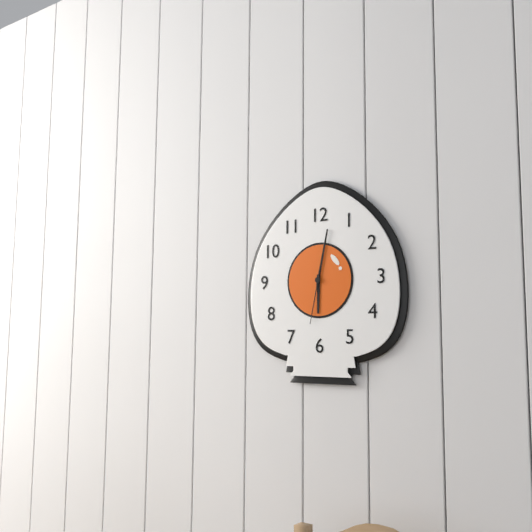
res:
6.02.32
